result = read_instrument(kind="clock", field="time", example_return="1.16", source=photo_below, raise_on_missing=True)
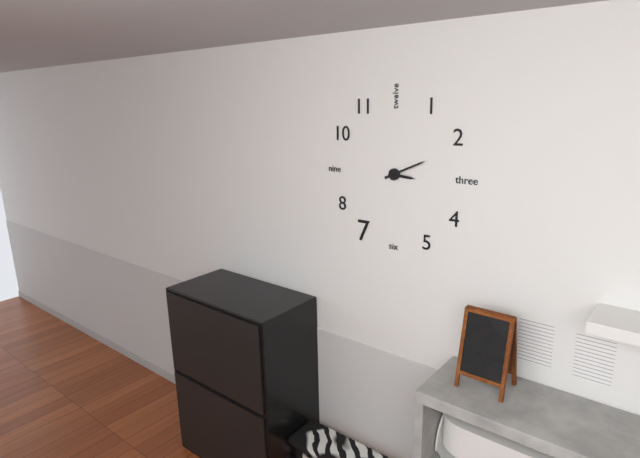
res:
3.11
